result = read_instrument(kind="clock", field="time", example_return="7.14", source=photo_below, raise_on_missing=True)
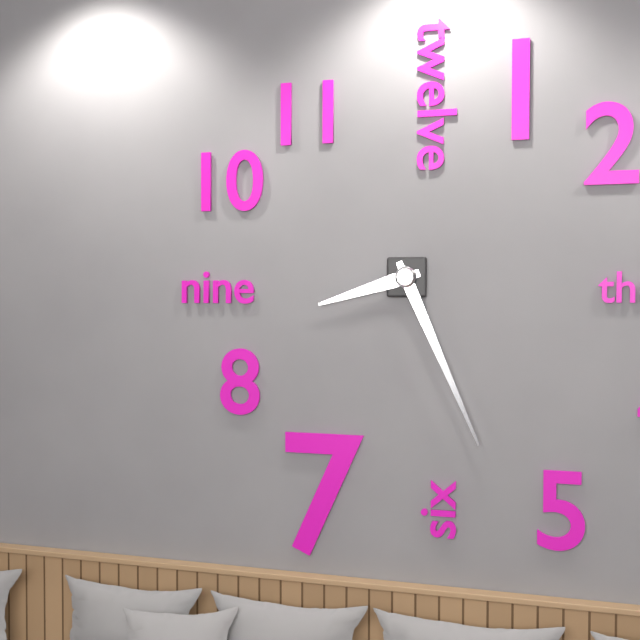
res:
8.26
